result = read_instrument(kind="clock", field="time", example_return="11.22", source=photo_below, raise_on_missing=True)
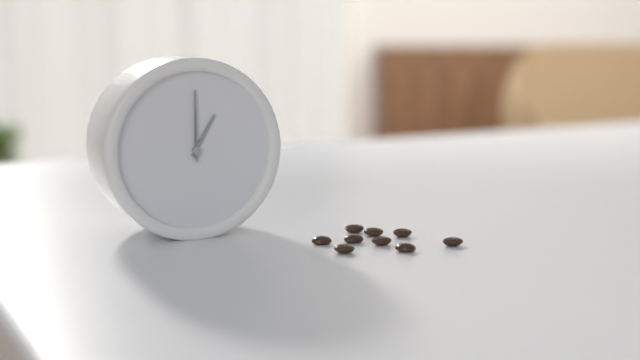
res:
1.00
